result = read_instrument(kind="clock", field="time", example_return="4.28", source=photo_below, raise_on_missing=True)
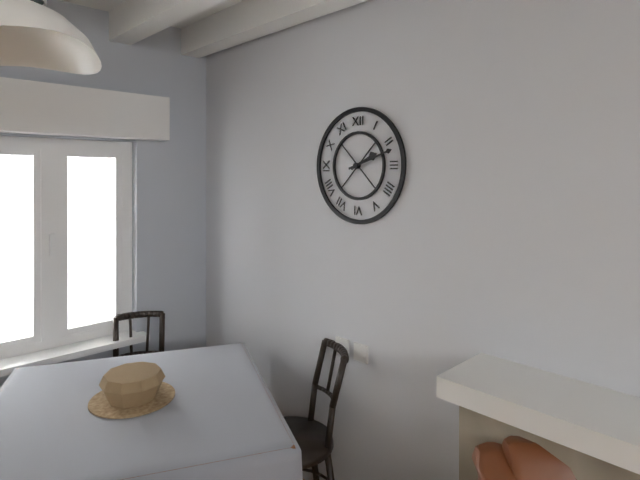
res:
2.12
